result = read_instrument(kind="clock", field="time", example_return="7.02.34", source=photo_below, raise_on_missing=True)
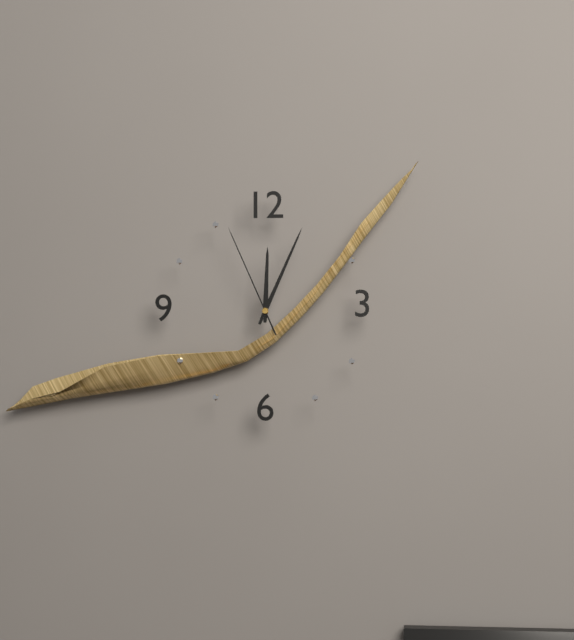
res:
12.04.56
